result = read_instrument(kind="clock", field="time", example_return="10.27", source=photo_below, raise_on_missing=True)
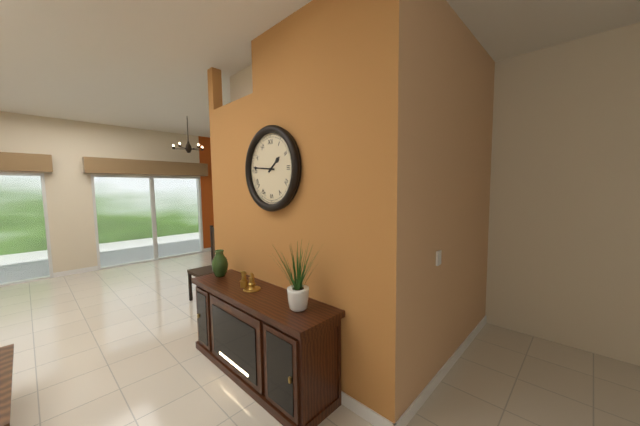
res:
1.46
